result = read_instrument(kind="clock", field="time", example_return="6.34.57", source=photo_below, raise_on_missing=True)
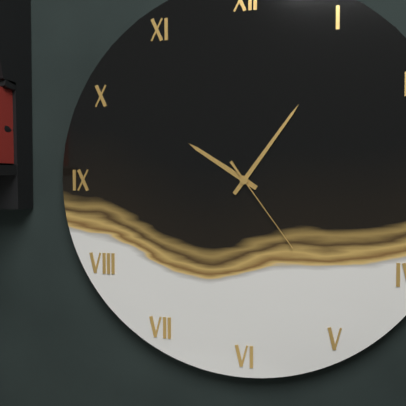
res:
10.06.24
